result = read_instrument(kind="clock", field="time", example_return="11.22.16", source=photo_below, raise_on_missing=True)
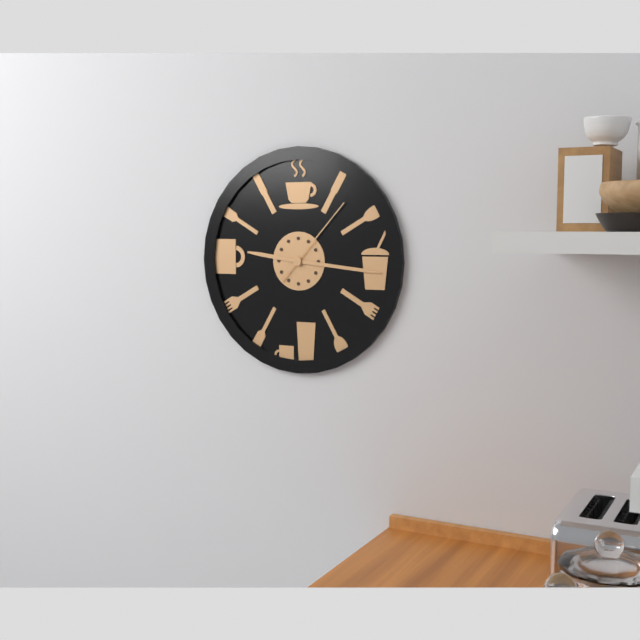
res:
9.16.07
